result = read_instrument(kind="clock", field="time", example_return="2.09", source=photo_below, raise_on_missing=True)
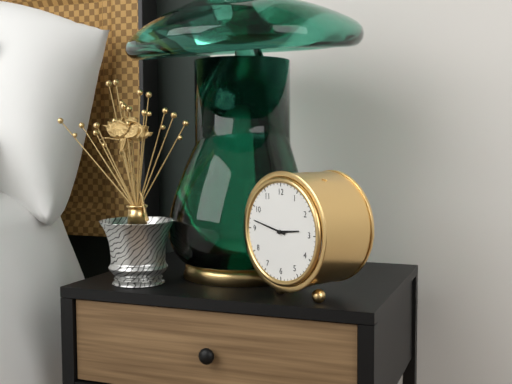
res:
2.47
